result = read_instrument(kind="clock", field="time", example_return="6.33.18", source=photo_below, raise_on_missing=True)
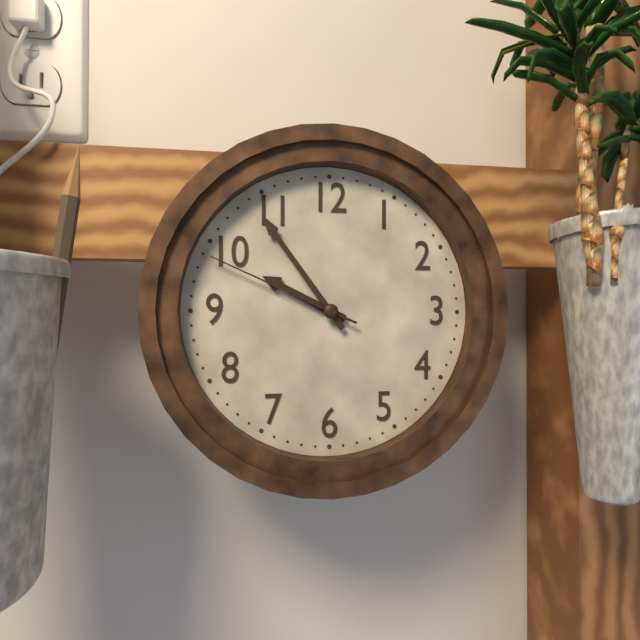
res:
9.54.49
